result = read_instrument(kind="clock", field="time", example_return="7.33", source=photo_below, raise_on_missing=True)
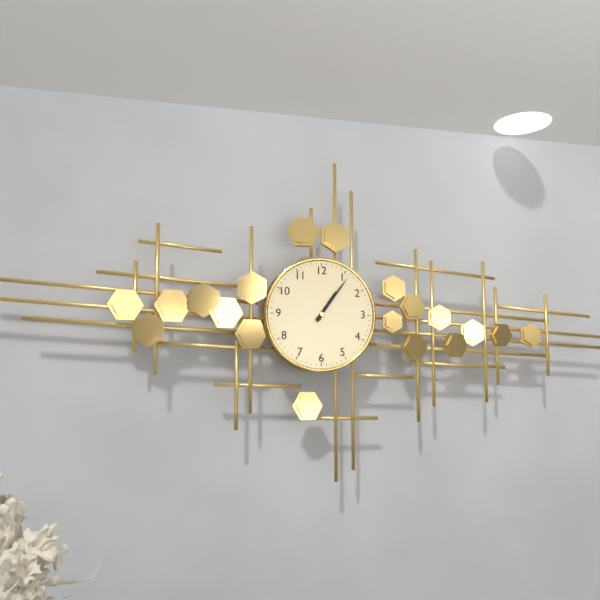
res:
1.06
